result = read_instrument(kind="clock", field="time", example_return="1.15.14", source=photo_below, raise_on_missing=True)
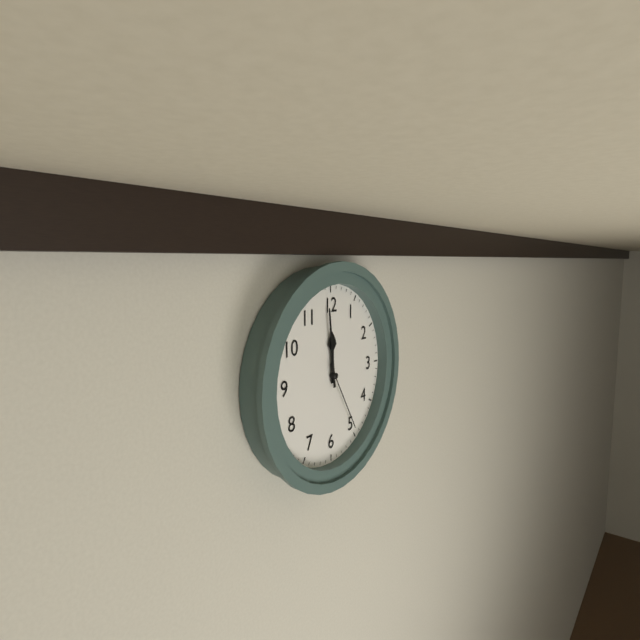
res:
11.59.25
